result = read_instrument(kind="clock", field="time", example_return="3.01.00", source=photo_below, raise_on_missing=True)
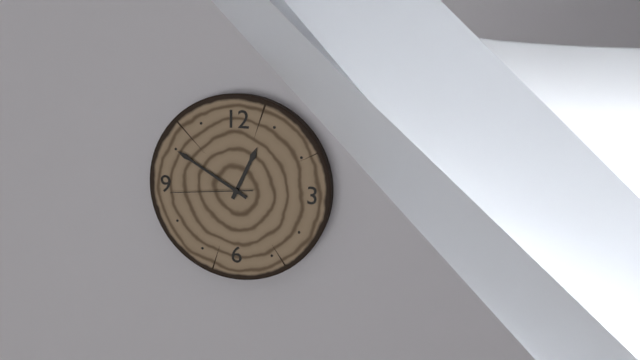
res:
12.50.44
